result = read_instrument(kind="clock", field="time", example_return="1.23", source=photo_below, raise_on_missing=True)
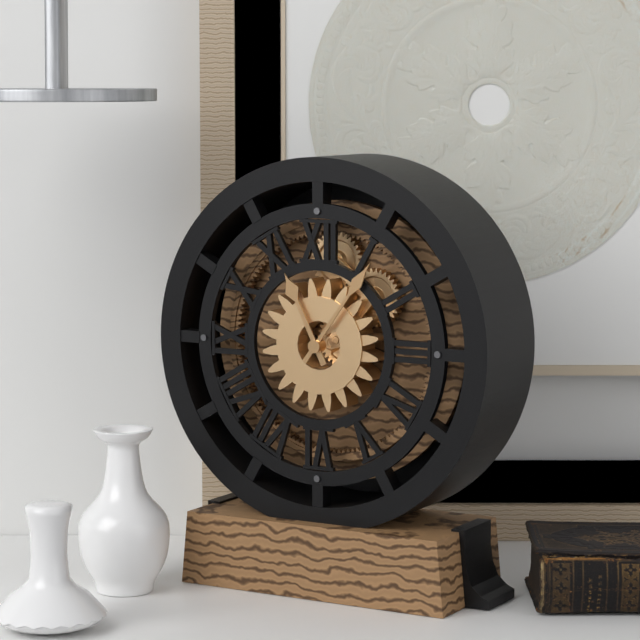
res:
11.06
